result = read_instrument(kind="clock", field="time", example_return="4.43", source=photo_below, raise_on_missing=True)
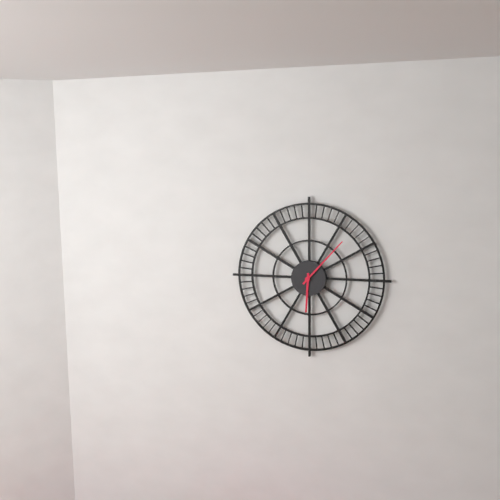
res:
6.07
